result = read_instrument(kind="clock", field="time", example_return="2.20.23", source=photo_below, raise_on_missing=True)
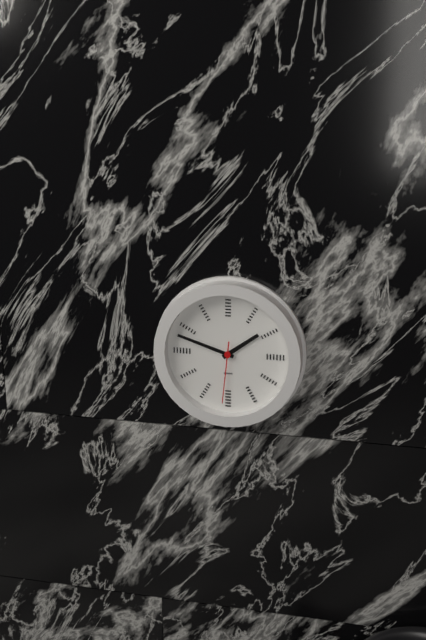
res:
1.48.31
